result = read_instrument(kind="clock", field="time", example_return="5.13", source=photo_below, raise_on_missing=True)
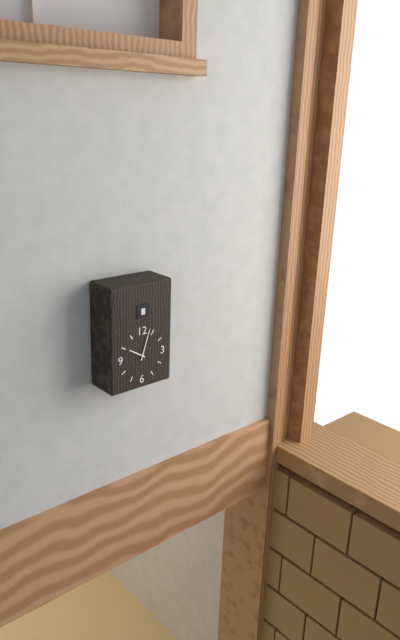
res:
10.03
